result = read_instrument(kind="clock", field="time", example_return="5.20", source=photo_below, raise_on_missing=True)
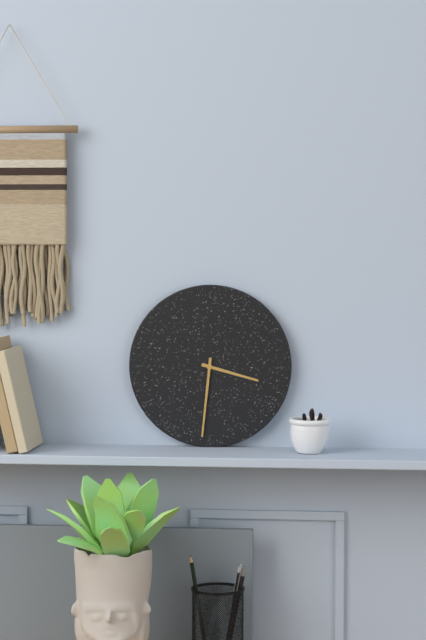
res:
3.31
